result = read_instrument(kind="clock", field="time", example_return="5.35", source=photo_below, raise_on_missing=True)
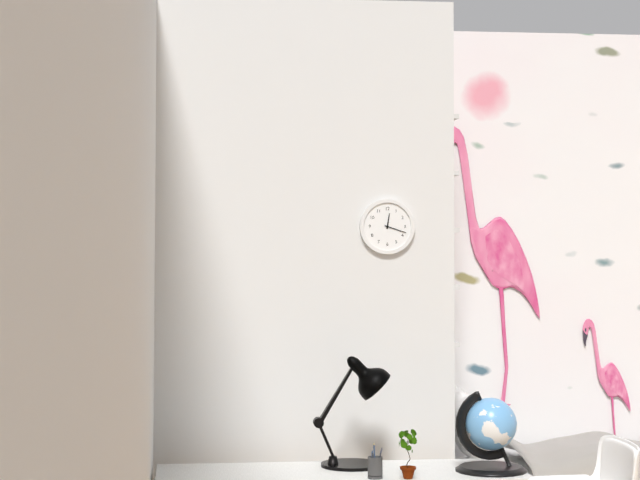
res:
12.18
